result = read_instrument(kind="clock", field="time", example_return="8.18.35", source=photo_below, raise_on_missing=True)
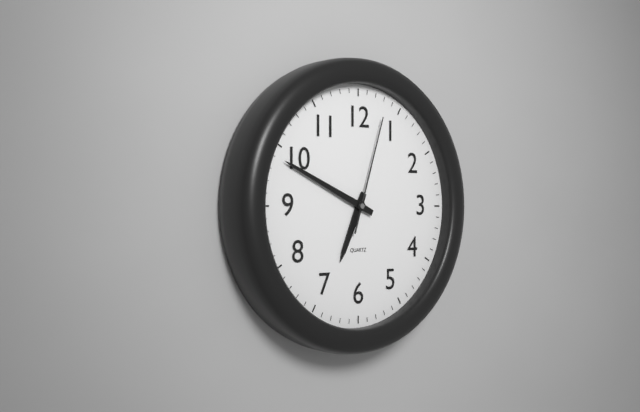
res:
6.49.03
